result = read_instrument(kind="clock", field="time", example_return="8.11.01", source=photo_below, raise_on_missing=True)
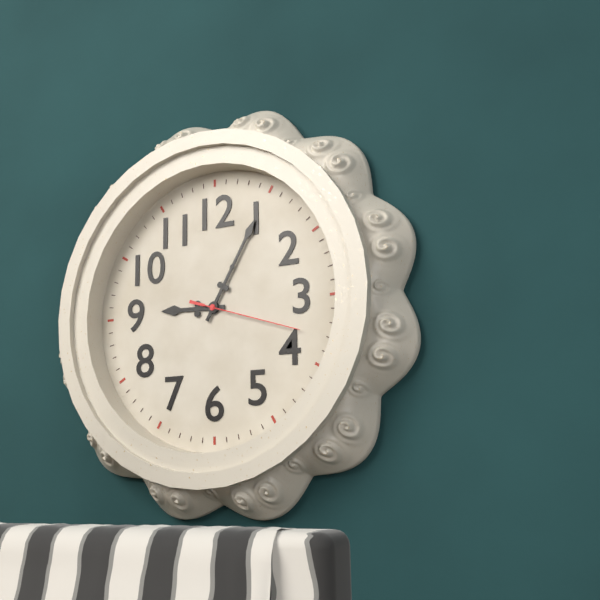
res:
9.05.18
